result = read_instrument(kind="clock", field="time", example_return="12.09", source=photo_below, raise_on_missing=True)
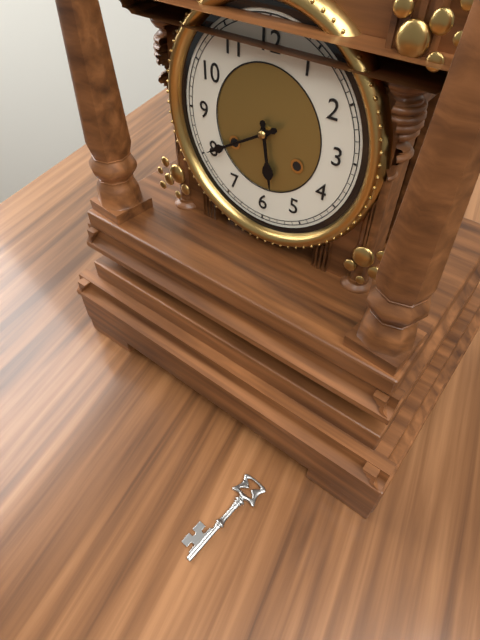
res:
5.40
